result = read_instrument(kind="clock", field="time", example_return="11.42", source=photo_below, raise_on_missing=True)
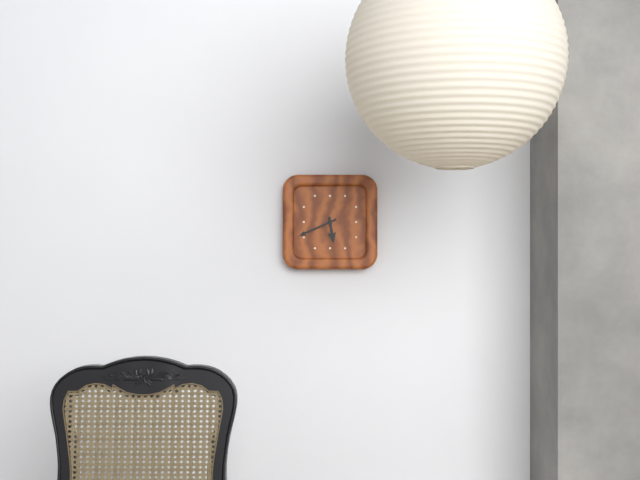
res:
5.41
